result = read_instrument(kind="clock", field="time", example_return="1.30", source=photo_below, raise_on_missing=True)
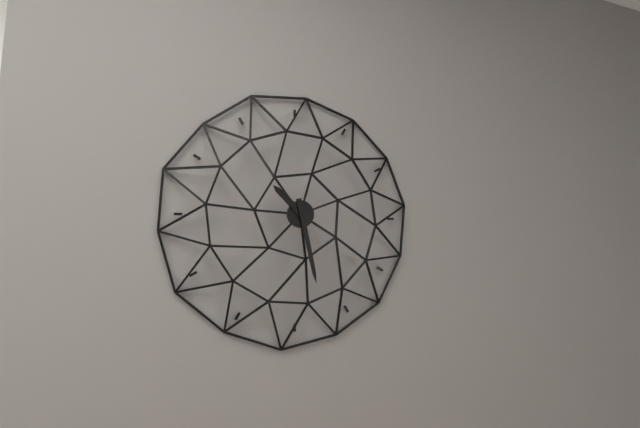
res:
10.28
